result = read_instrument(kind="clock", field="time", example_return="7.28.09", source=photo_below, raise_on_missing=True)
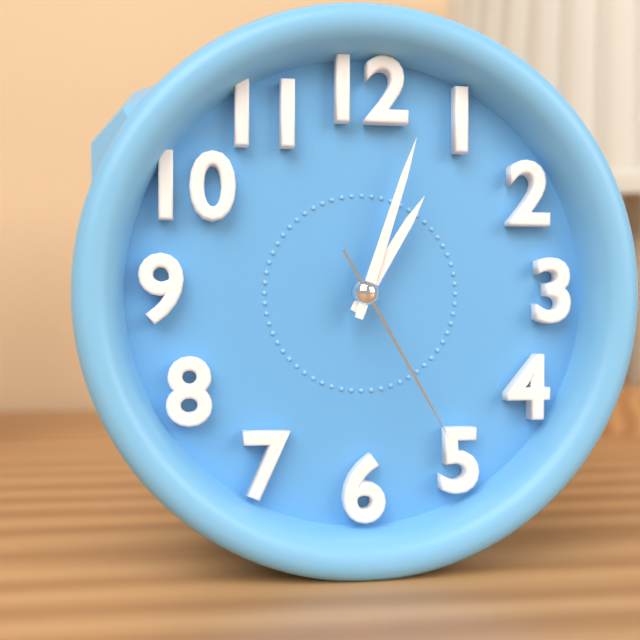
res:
1.03.25
